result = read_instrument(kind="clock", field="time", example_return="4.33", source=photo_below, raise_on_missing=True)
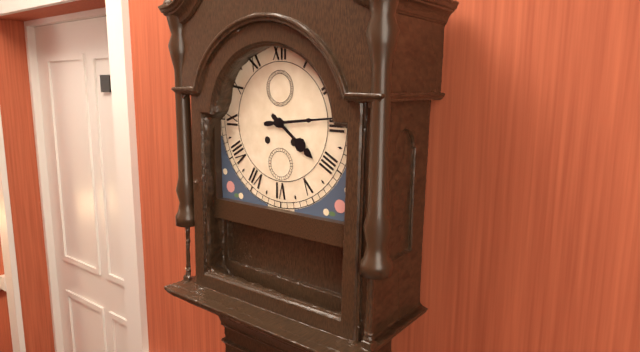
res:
4.14
